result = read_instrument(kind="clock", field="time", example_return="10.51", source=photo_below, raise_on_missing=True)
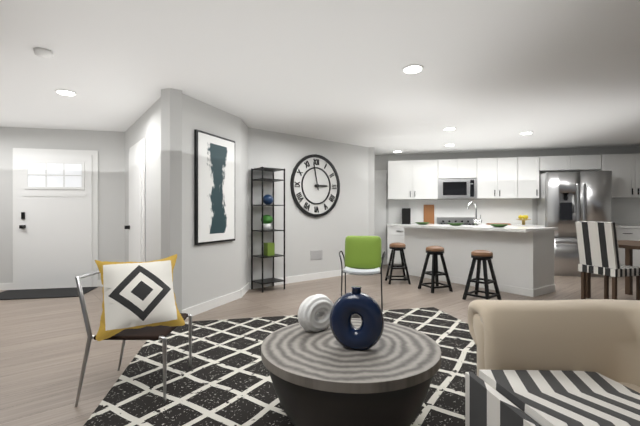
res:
2.58
